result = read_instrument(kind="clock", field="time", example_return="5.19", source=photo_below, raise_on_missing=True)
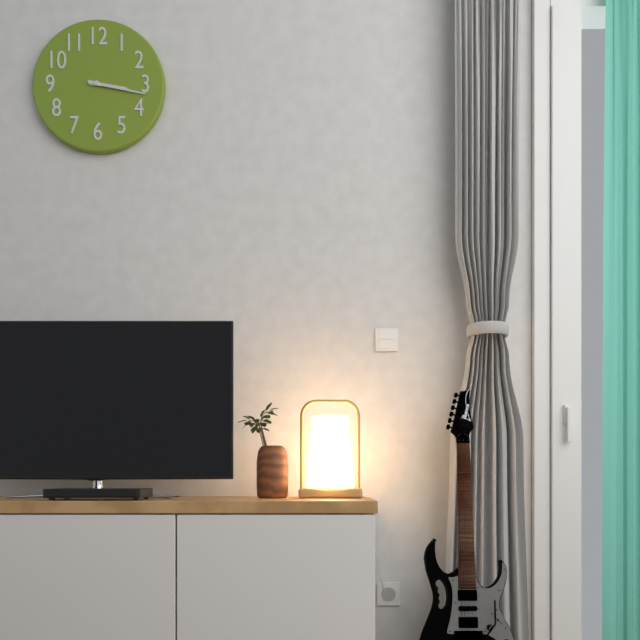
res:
3.17
